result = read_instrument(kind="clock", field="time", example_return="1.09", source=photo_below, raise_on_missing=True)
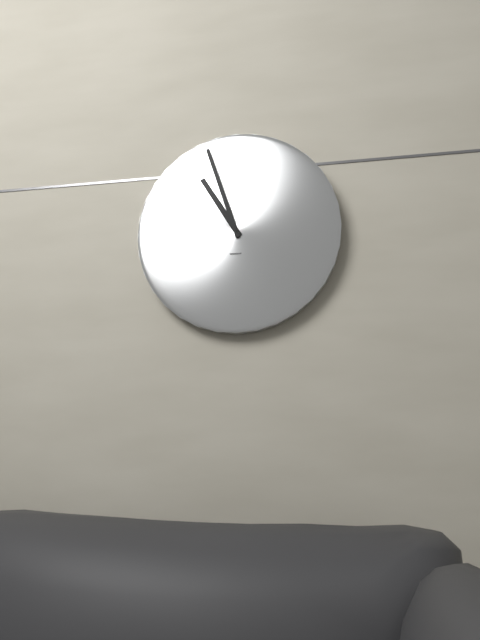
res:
10.57
